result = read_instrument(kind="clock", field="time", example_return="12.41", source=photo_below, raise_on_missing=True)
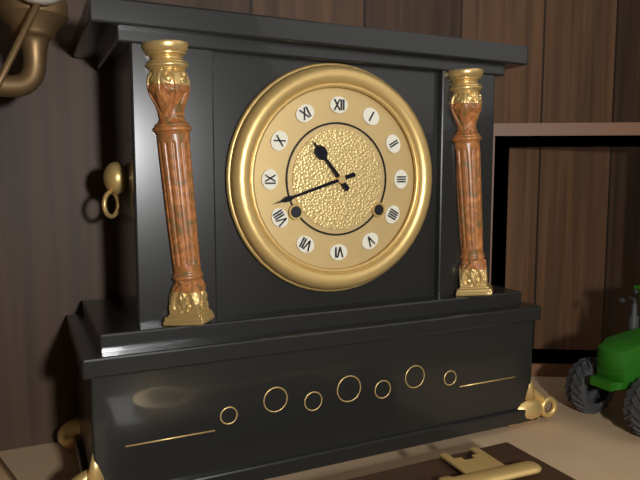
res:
10.42
